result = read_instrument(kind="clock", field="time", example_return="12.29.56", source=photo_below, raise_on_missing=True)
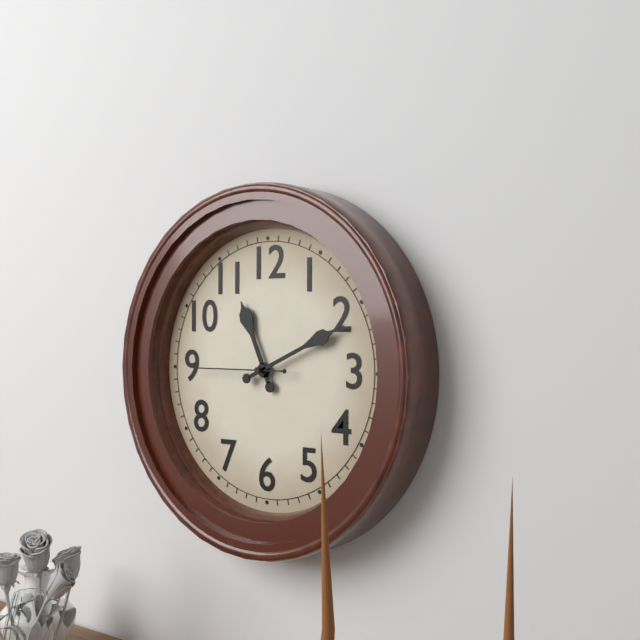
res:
11.11.45
